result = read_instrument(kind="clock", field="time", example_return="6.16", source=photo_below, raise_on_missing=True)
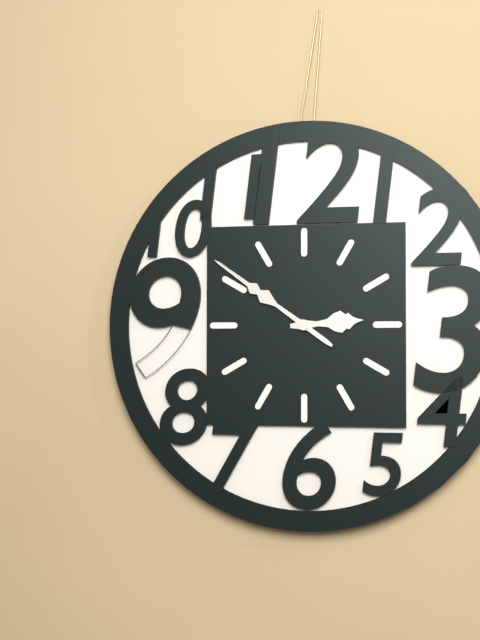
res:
2.51
